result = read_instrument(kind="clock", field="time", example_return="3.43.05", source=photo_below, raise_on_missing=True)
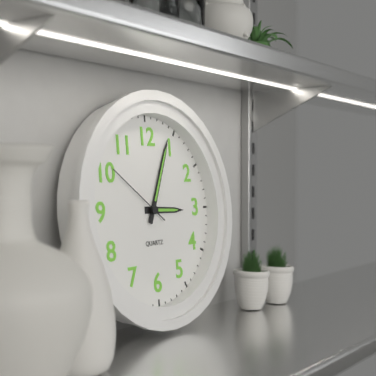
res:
3.04.51
